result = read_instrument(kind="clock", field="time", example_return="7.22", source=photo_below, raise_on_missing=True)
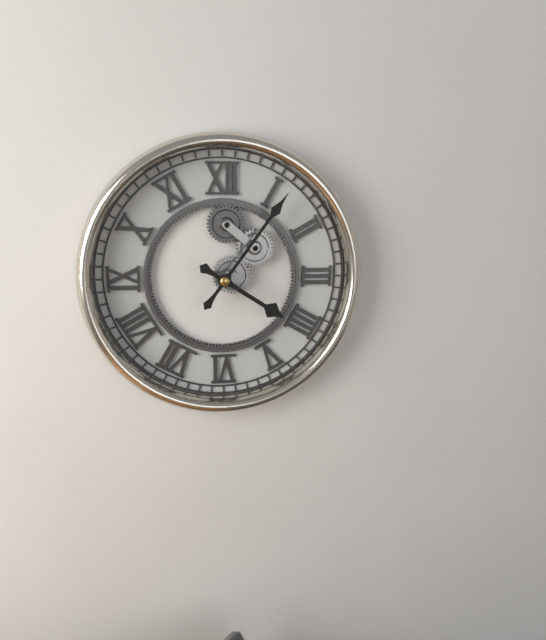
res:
4.06
